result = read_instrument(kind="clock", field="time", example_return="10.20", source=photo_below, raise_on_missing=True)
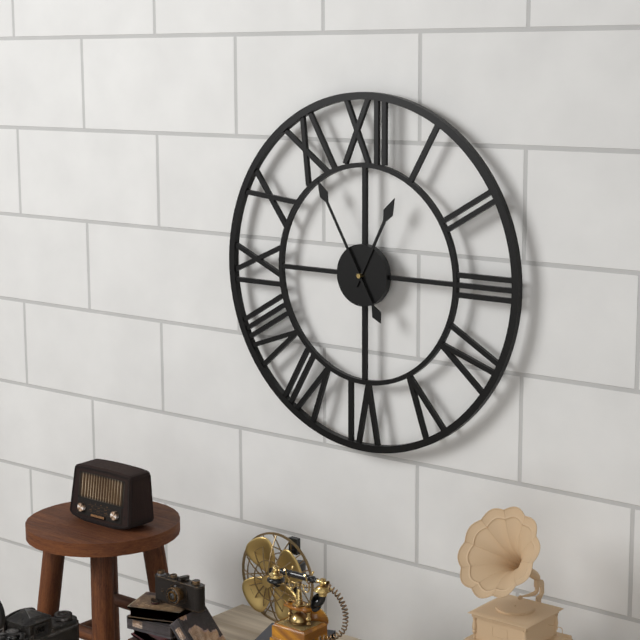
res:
12.55
